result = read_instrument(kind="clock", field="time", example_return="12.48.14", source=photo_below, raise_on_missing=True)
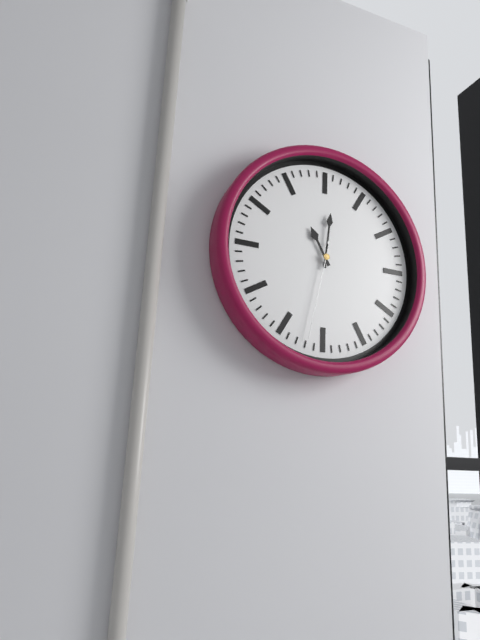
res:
11.01.32
